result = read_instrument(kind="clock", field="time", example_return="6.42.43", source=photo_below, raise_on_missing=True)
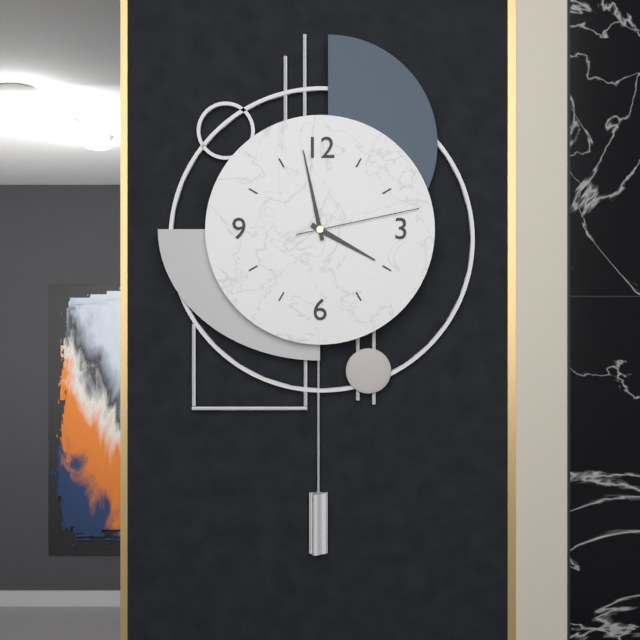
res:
3.58.13
